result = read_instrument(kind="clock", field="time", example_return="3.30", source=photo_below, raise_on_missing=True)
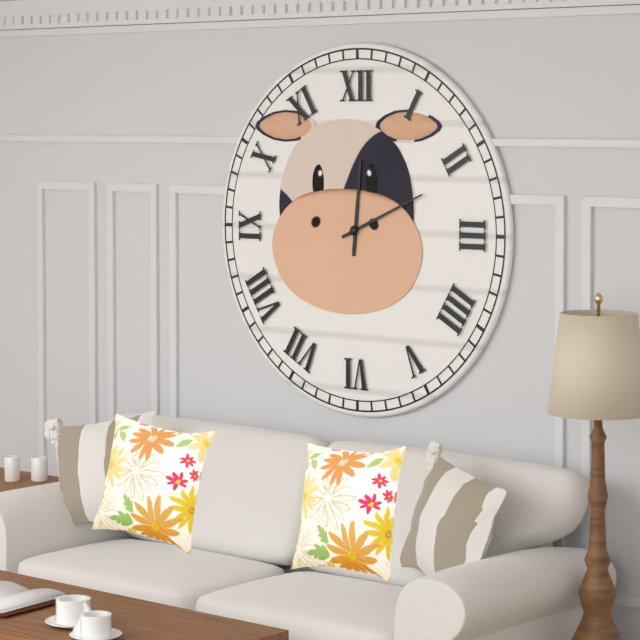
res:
12.11
